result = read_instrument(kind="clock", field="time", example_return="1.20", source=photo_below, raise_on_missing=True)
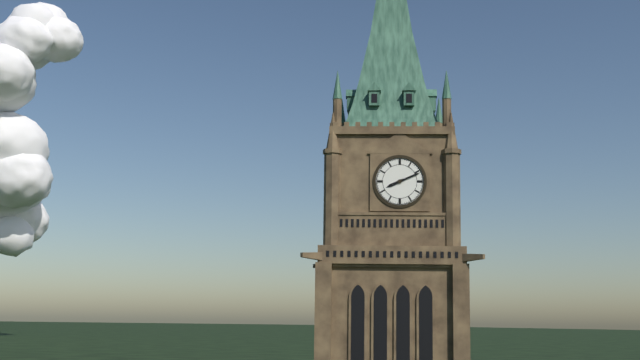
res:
8.11
